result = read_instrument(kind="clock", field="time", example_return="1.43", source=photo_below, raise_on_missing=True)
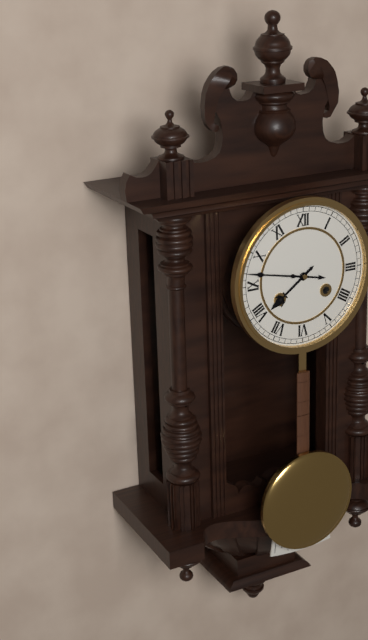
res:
7.47
